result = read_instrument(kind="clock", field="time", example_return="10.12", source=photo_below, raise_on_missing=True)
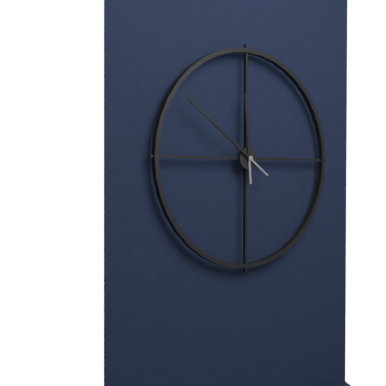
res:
11.51
